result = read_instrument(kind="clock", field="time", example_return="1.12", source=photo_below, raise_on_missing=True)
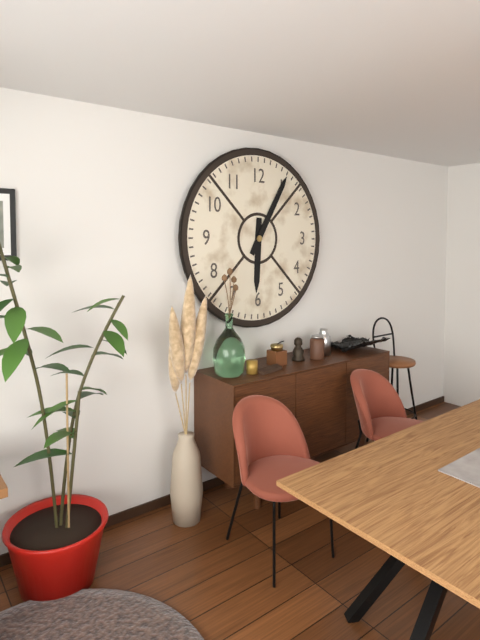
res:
6.05
